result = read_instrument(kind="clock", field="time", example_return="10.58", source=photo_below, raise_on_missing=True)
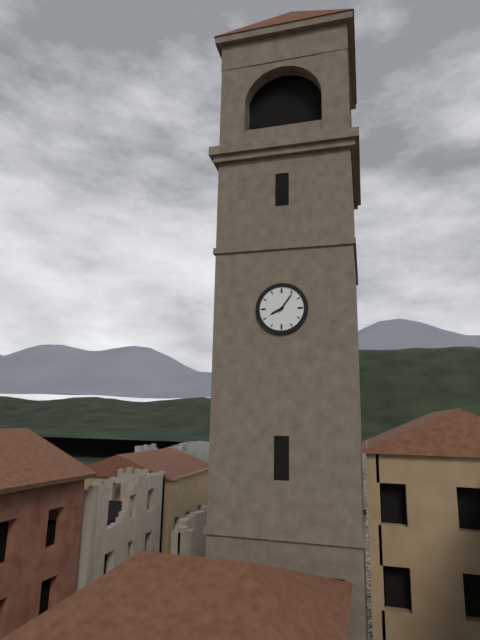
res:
8.06
